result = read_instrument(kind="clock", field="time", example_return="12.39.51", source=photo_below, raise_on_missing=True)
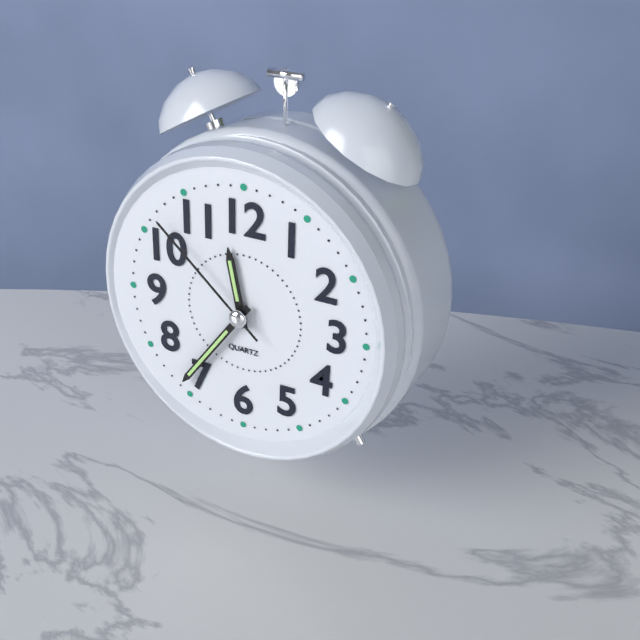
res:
11.36.52
